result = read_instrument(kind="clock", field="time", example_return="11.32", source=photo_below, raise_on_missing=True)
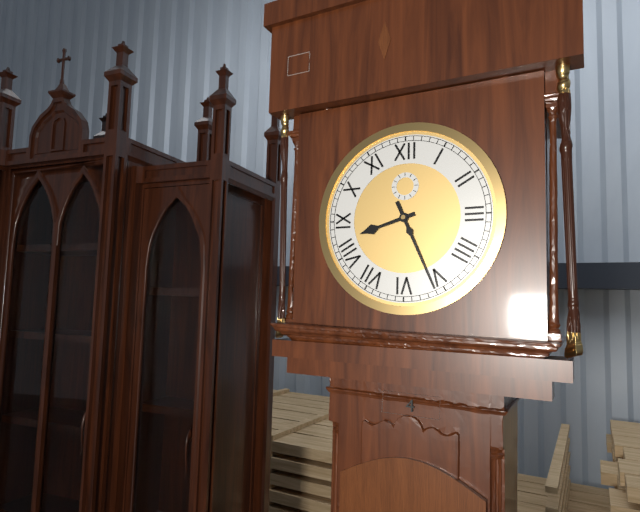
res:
8.26
